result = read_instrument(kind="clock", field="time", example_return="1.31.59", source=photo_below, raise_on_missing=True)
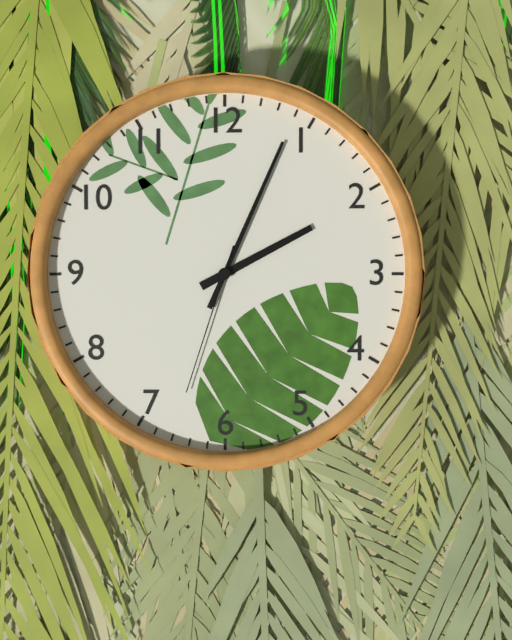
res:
2.04.33
